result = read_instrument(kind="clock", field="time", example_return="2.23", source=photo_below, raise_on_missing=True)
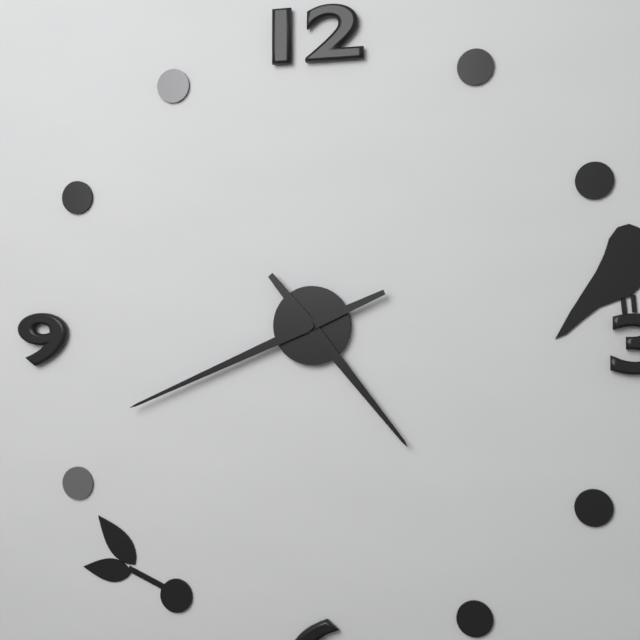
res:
4.41
